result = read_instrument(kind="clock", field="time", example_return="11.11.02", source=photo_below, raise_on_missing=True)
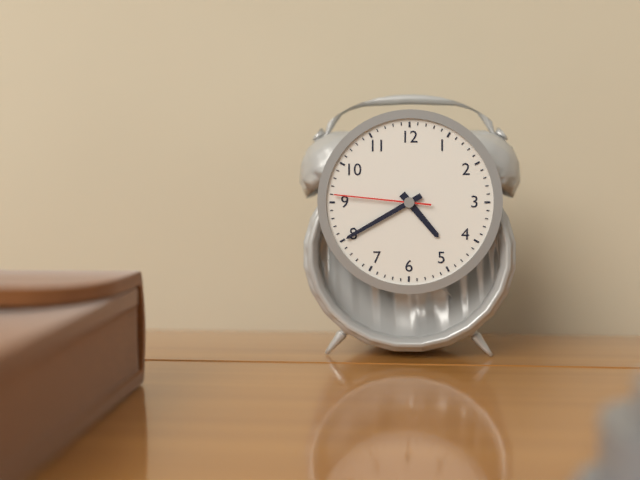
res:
4.40.46
